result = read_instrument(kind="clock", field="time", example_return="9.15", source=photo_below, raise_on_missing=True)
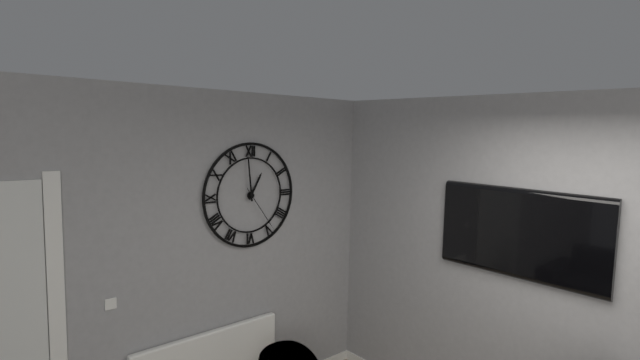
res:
12.59
